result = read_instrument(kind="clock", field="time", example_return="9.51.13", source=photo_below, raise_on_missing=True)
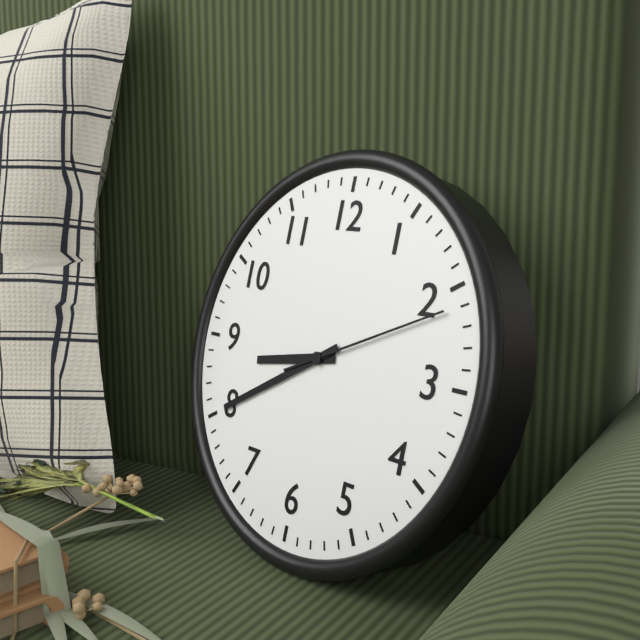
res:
8.40.11
